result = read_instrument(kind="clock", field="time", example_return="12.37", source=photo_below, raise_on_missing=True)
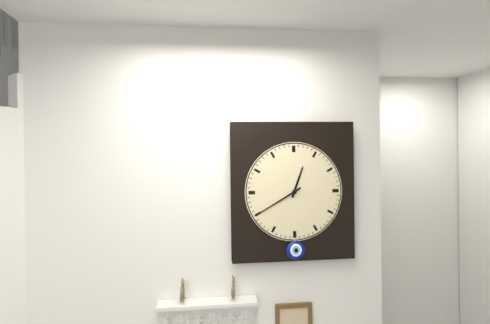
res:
12.40
